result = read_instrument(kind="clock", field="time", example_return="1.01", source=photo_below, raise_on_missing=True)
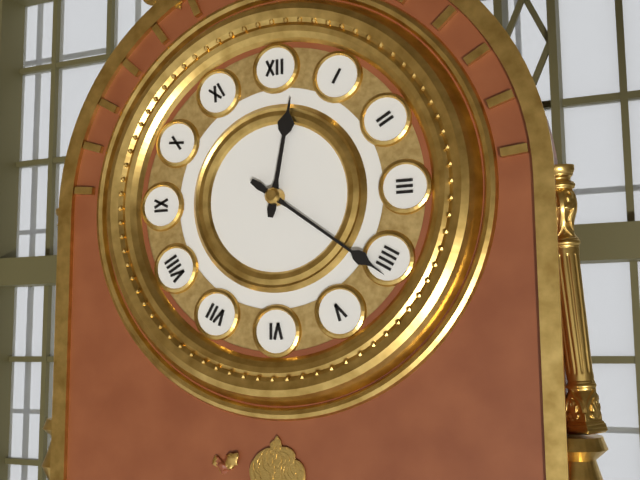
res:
12.21
